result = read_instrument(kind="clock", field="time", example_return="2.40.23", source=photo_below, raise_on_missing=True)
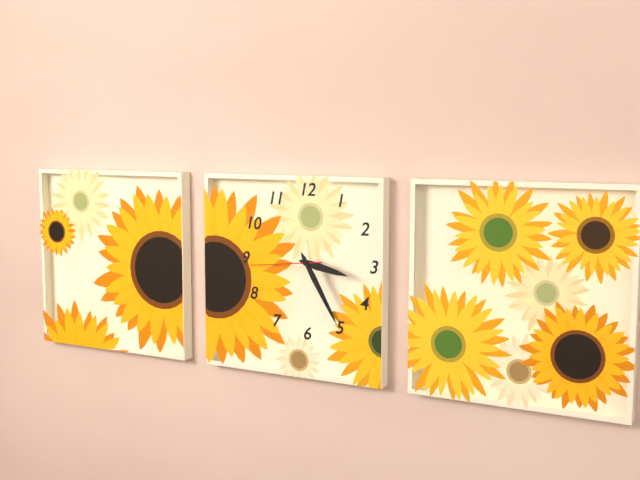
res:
3.25.44
